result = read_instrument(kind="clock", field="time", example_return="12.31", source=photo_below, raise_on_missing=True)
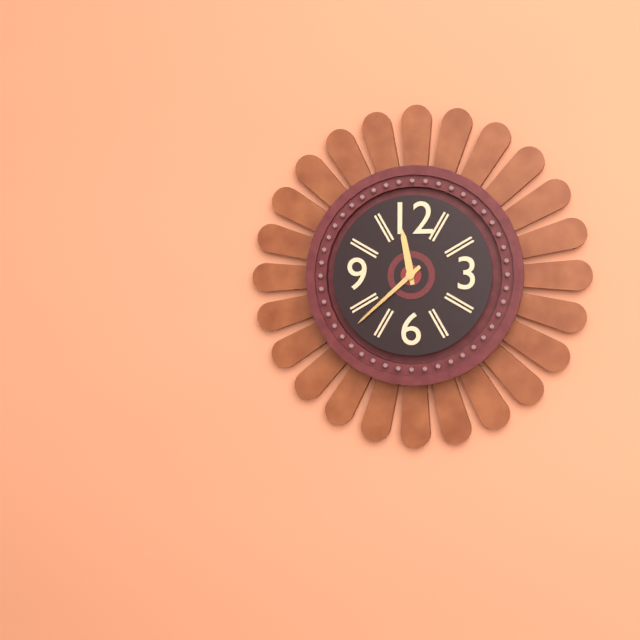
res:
11.38
